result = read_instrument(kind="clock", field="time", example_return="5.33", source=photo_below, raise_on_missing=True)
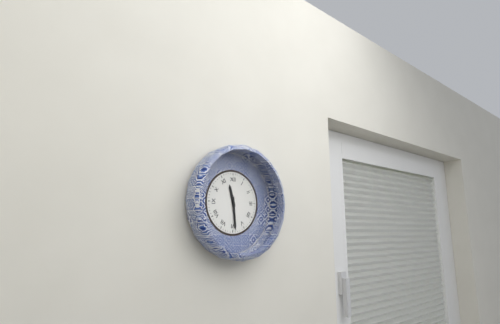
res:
11.29
